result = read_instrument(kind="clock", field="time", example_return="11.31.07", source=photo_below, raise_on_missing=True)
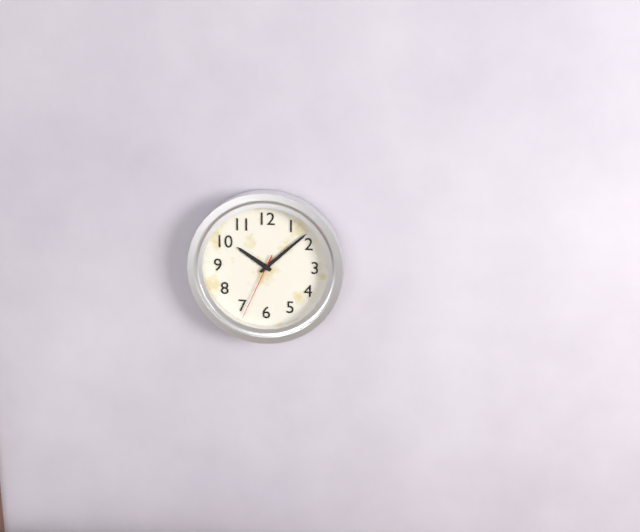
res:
10.08.34
